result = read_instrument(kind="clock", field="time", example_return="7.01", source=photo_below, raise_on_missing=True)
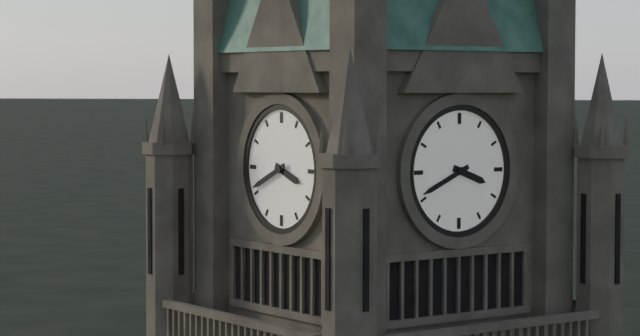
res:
3.41
